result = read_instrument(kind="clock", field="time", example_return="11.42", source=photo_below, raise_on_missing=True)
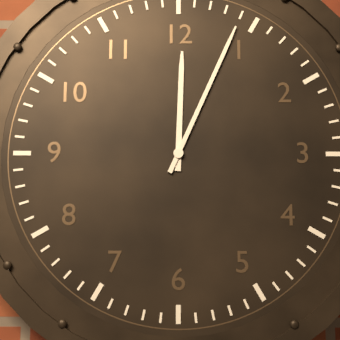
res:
12.04
